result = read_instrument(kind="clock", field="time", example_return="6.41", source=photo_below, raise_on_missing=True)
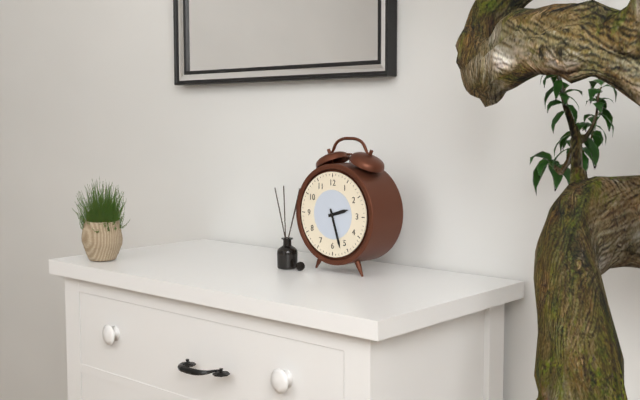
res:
2.27
